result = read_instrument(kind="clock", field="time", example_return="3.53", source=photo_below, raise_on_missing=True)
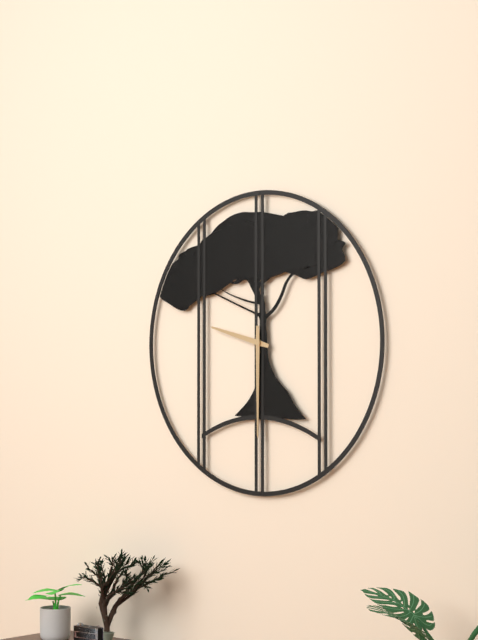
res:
9.30
